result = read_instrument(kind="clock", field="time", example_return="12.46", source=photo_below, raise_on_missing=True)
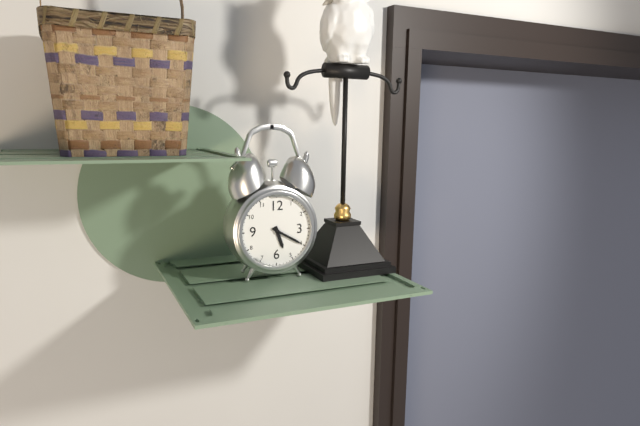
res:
5.20
